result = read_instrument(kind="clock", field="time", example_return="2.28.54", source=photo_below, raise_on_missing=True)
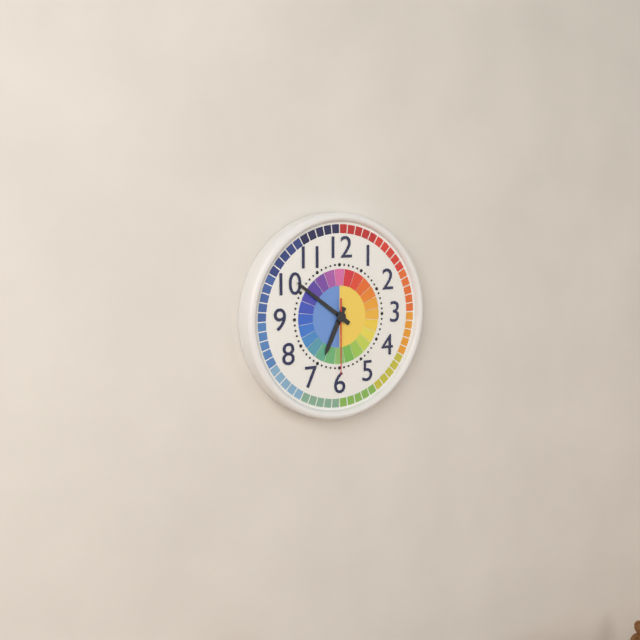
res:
6.51.30
